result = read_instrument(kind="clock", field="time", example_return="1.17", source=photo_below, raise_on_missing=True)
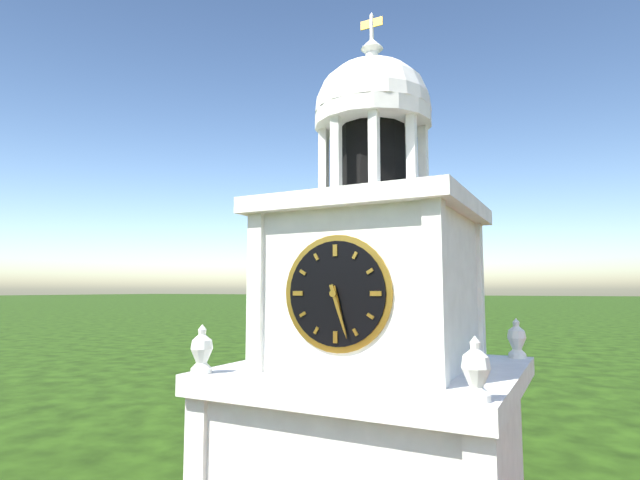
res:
5.27
